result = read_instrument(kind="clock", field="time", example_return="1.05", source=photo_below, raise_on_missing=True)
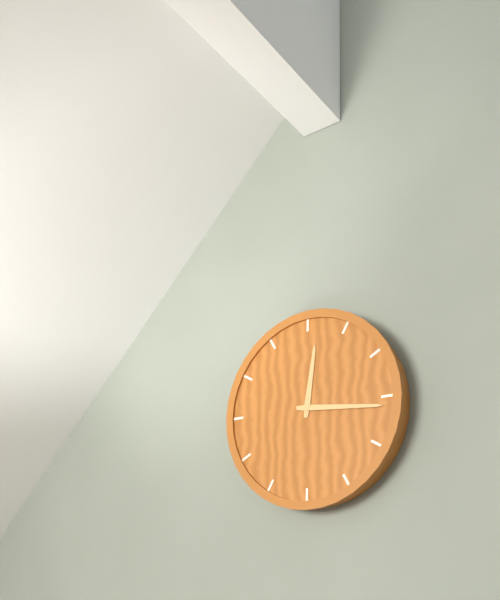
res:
12.16
